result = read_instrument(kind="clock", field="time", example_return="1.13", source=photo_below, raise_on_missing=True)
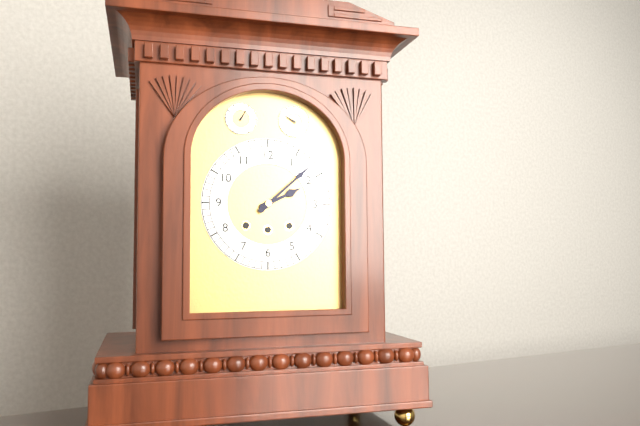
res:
2.08
